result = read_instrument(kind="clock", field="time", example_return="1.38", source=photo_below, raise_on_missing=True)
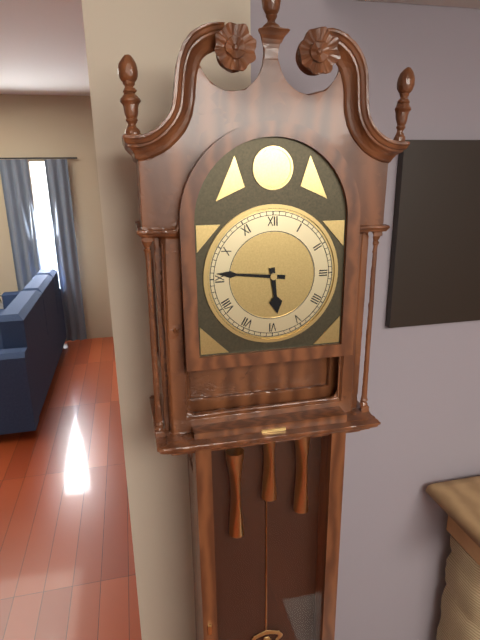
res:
5.46
